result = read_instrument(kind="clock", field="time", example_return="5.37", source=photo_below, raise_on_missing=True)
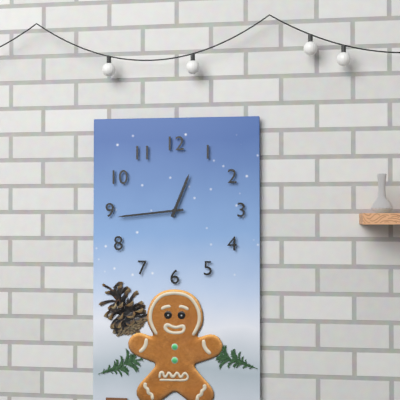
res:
12.44
